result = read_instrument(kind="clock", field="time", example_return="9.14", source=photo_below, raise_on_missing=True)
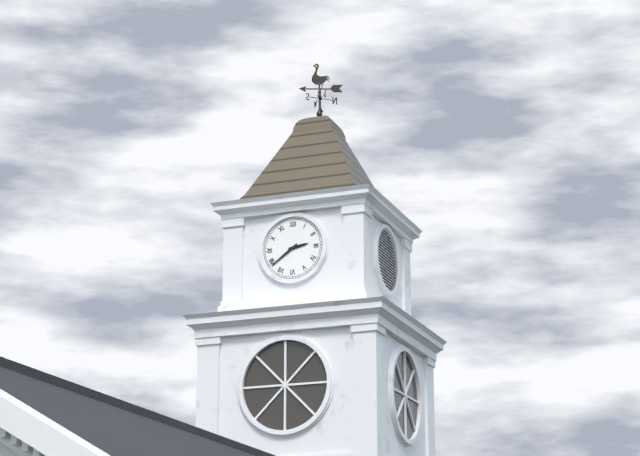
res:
2.39
